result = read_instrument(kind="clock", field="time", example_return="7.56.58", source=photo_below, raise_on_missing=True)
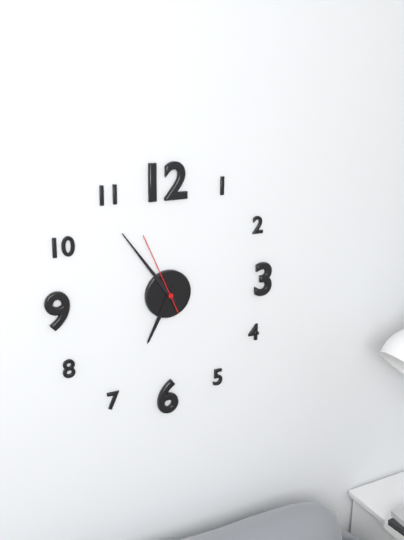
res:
6.54.56
